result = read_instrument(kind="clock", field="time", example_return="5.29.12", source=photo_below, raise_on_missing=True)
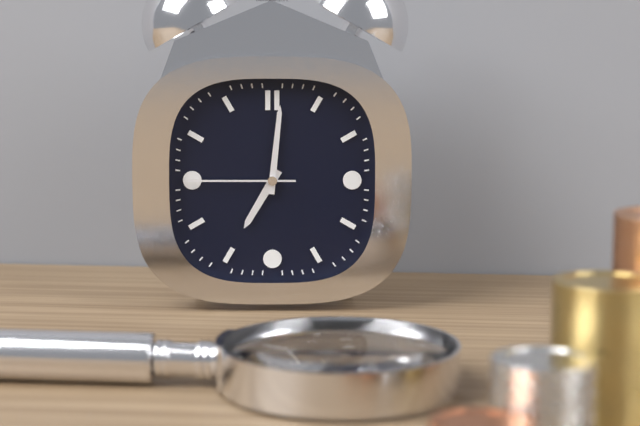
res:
7.01.45
